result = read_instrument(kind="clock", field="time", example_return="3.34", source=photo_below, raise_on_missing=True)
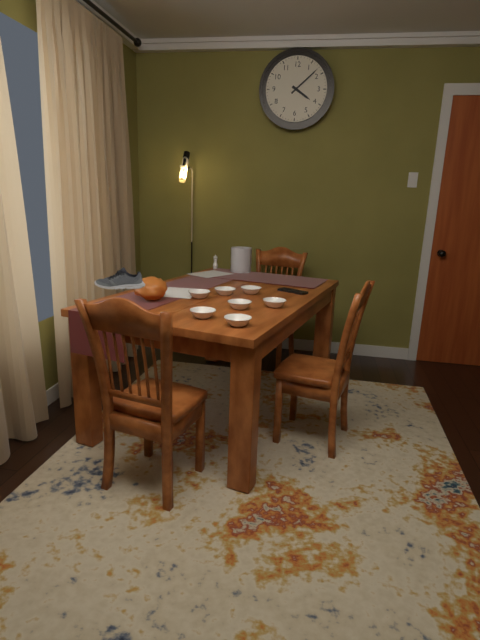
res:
4.08
